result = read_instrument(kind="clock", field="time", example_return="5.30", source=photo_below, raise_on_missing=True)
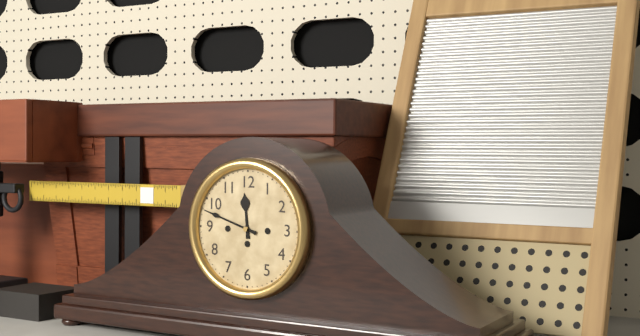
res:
11.48
